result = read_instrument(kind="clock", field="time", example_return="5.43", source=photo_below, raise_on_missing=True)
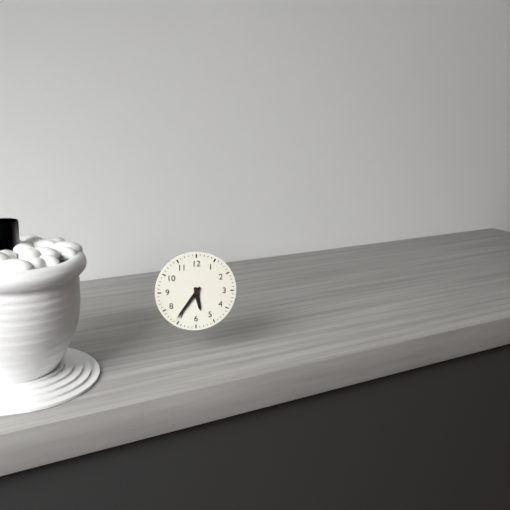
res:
5.36
